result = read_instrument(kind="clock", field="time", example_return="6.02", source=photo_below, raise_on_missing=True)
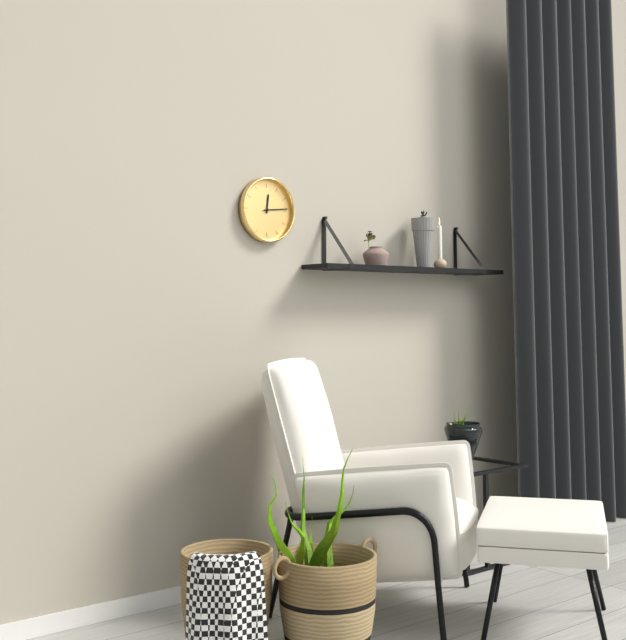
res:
12.14
